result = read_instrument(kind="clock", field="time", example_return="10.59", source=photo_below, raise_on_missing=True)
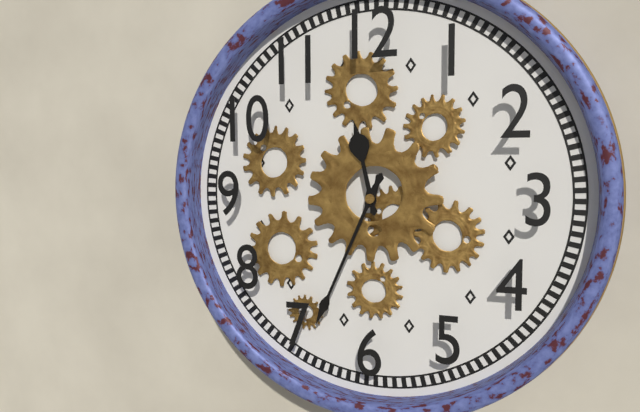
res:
11.34
